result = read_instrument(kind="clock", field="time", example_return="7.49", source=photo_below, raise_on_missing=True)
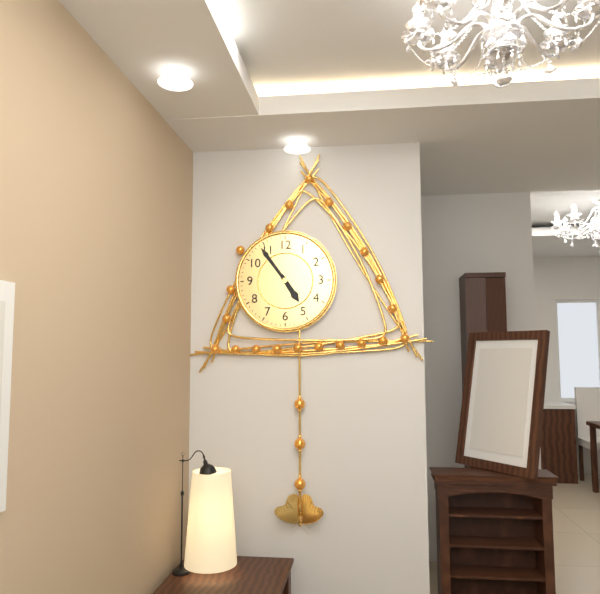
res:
4.54
